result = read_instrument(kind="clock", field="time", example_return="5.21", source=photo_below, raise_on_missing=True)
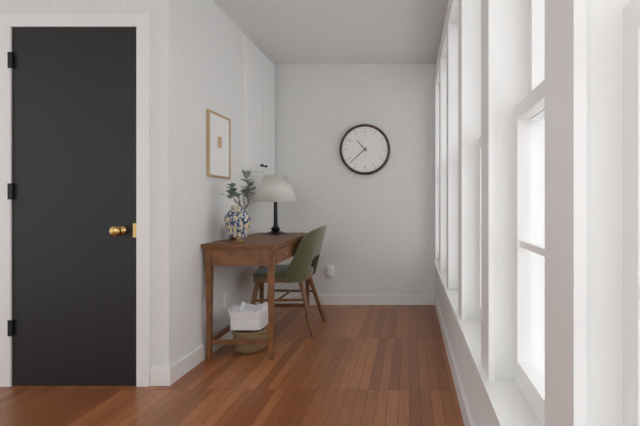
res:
10.38
